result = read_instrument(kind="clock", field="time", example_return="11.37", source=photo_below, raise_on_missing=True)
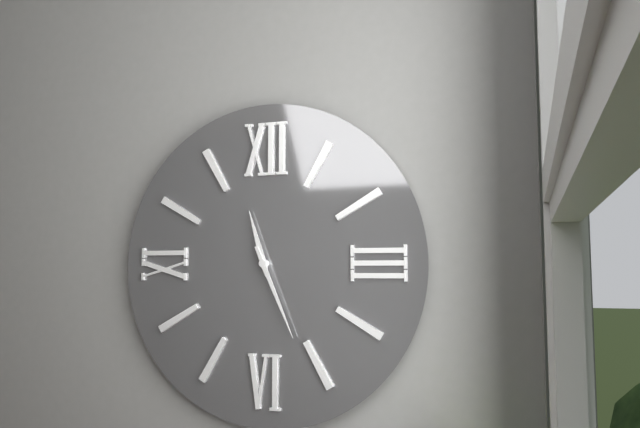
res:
11.26
